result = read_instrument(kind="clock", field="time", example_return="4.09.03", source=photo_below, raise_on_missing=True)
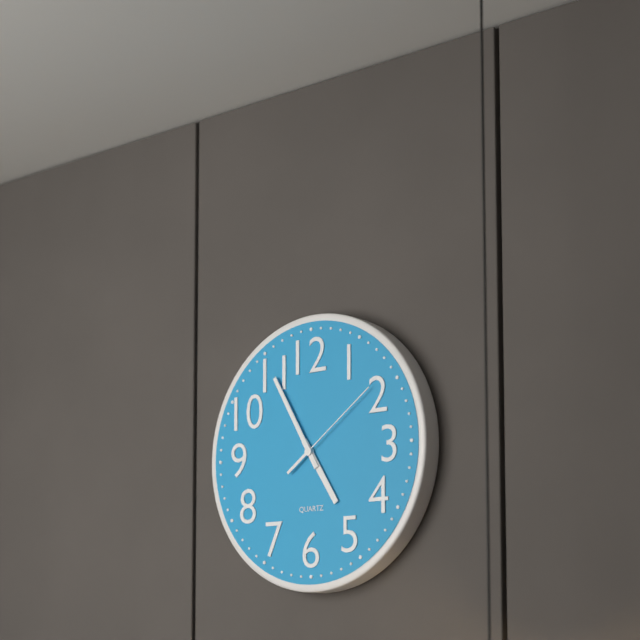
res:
4.55.09
